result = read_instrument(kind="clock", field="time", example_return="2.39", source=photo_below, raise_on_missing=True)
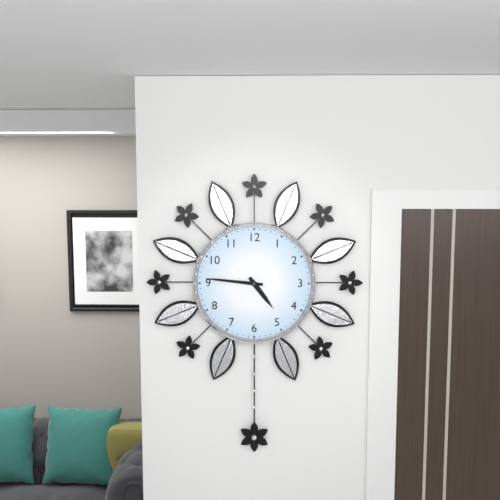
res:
4.46
